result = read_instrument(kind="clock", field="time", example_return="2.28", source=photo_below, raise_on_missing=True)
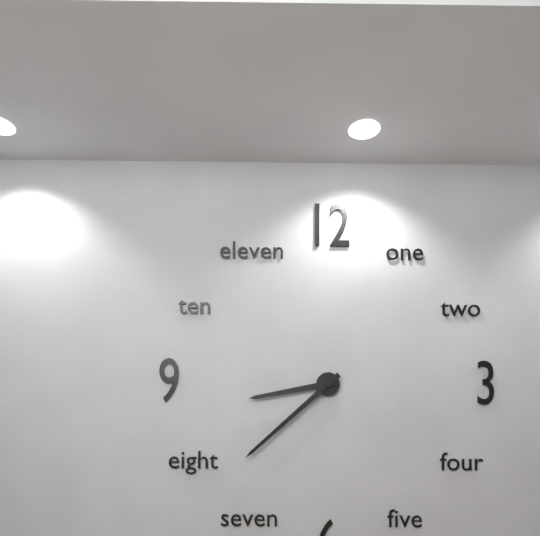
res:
8.38
